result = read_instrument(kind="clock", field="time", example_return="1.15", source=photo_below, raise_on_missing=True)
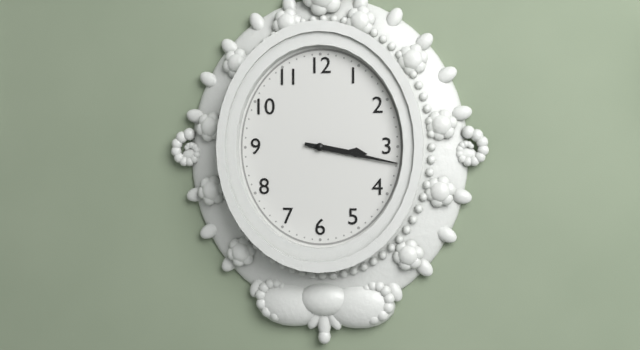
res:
3.17
